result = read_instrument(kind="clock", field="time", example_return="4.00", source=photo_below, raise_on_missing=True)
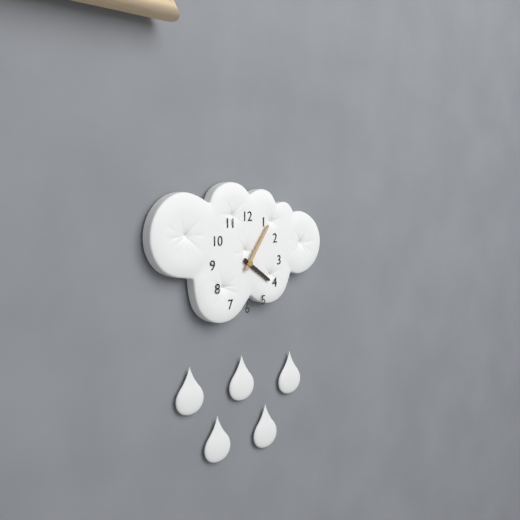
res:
4.06
